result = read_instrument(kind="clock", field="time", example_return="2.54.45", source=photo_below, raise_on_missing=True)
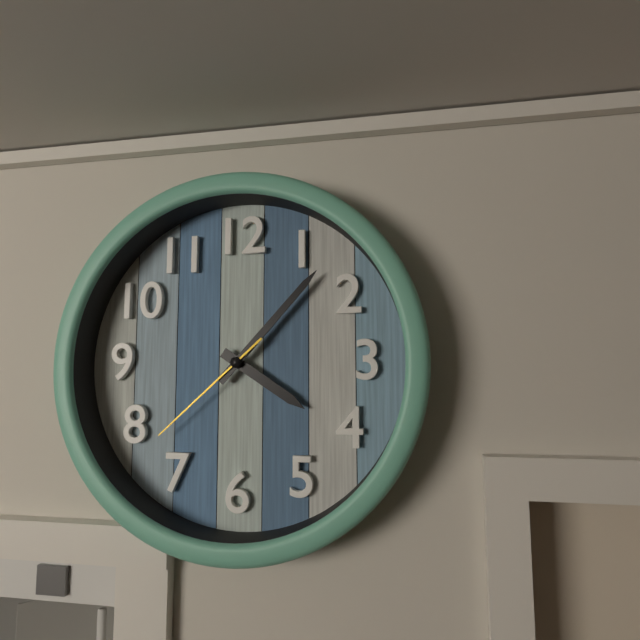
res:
4.07.38
